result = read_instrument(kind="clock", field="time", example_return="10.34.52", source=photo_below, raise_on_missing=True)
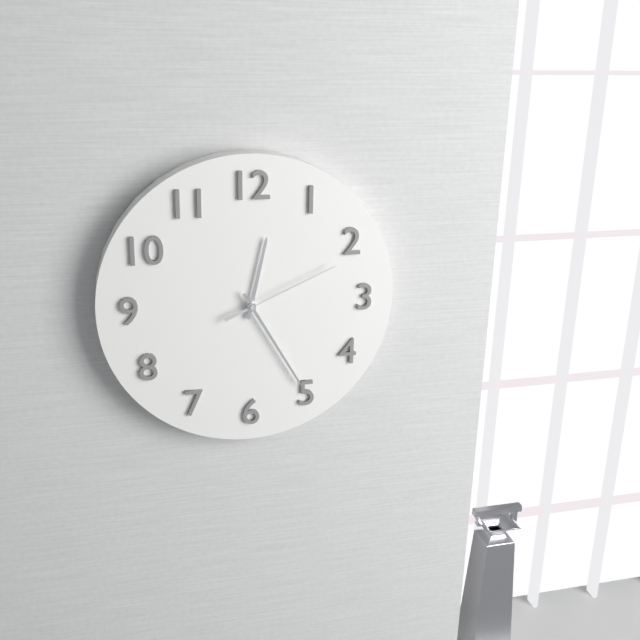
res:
12.25.11
